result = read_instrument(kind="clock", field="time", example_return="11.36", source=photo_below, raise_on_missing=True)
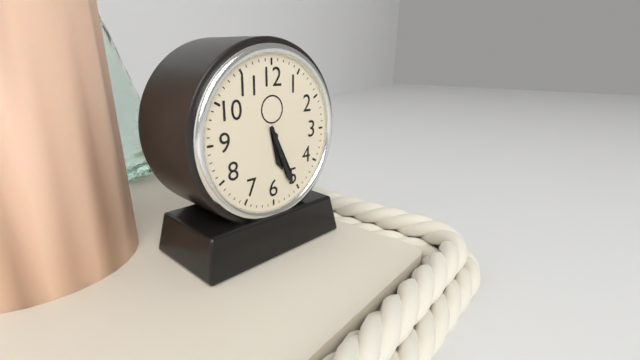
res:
5.26
